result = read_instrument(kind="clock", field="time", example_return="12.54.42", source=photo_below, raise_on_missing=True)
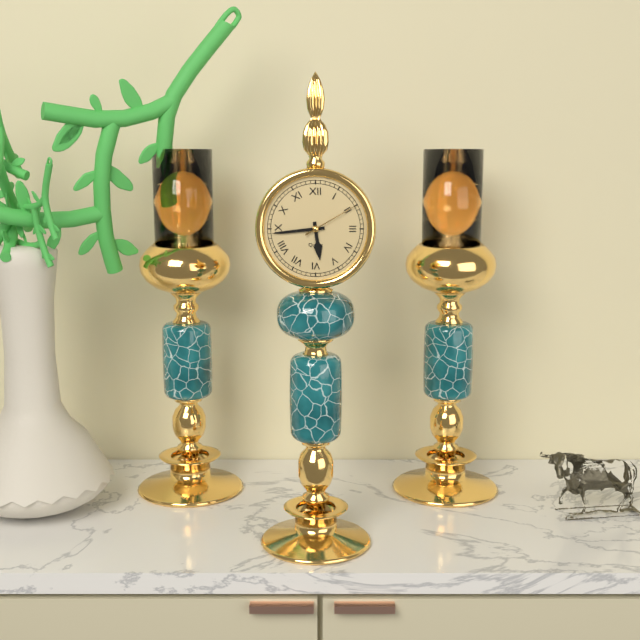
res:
5.44.10
